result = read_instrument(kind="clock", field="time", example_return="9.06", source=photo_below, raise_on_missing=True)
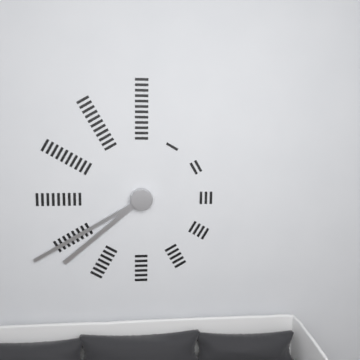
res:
7.40
